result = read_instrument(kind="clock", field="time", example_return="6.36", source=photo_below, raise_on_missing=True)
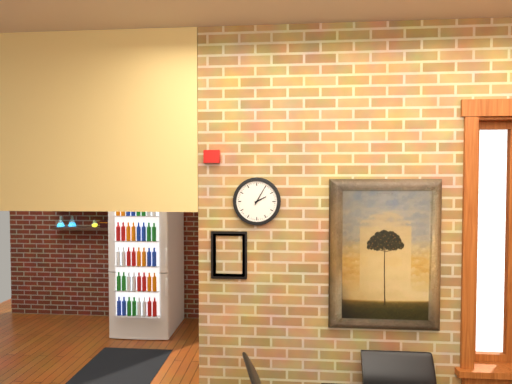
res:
2.05
